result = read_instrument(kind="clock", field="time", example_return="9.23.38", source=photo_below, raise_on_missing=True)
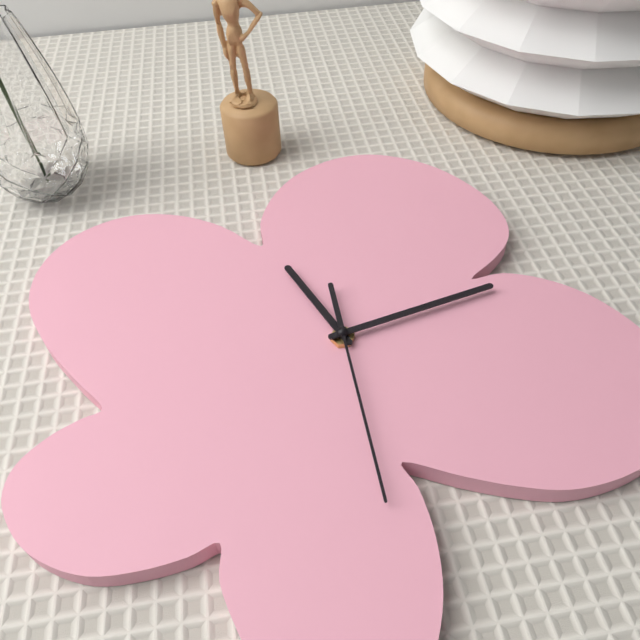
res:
12.18.35
